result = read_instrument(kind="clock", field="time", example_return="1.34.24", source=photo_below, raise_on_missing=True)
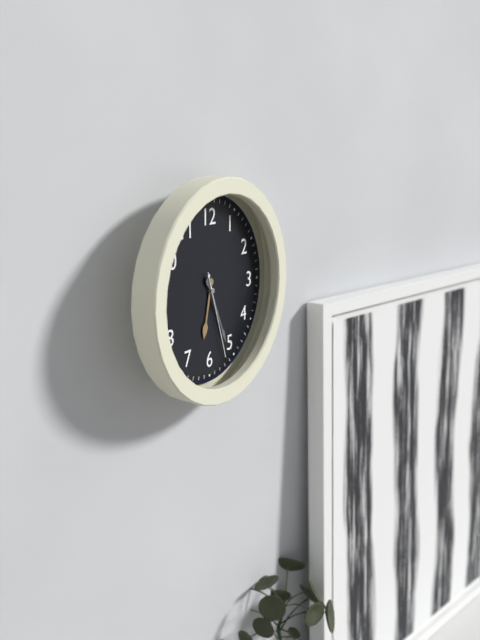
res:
6.26.27
